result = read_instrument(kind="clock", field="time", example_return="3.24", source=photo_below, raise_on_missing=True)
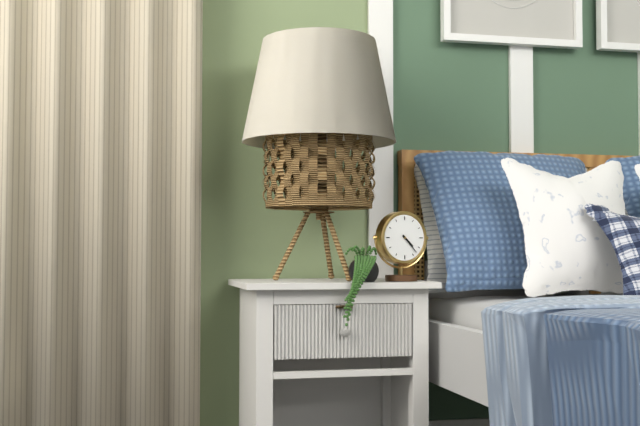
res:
4.23
